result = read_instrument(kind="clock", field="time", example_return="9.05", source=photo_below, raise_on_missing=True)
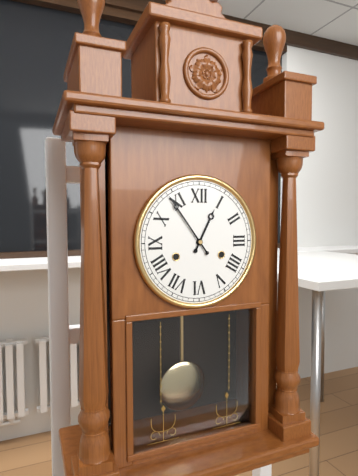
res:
12.54
